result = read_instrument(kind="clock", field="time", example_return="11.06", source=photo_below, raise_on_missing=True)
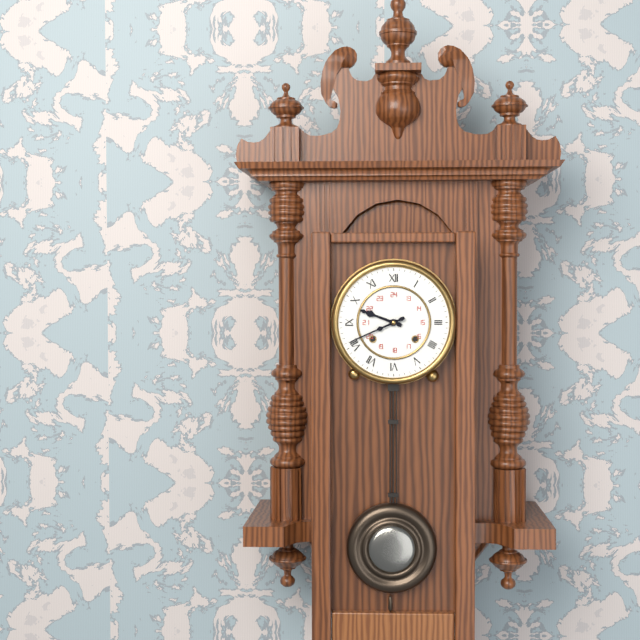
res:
9.41
